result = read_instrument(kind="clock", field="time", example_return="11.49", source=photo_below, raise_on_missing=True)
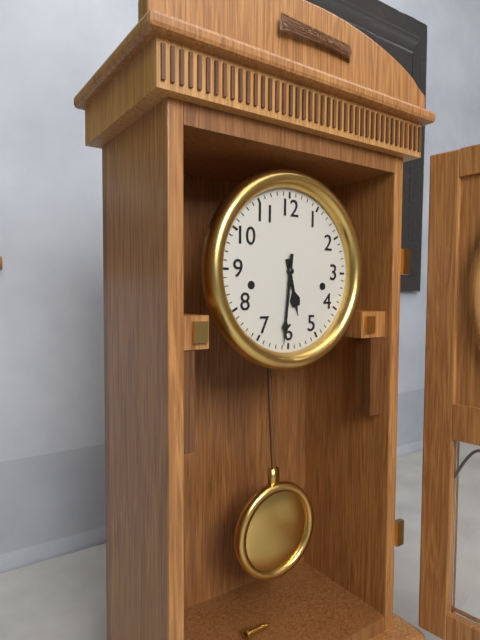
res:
5.31
